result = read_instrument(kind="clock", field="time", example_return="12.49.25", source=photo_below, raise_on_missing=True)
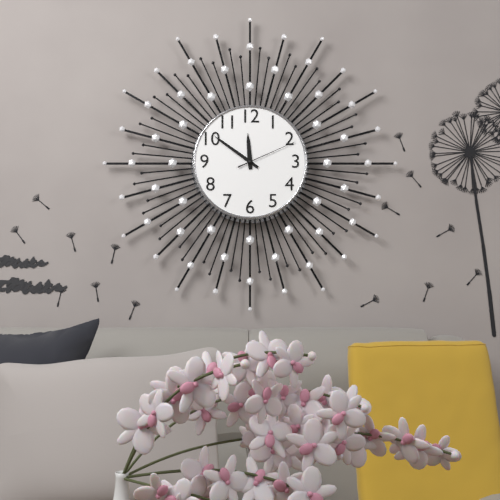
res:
11.51.11
